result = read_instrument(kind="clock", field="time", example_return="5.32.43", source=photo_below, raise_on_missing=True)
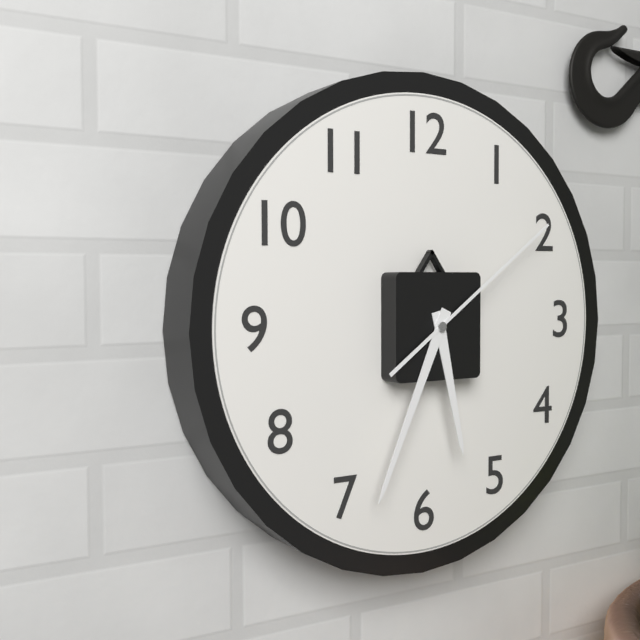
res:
5.34.09
